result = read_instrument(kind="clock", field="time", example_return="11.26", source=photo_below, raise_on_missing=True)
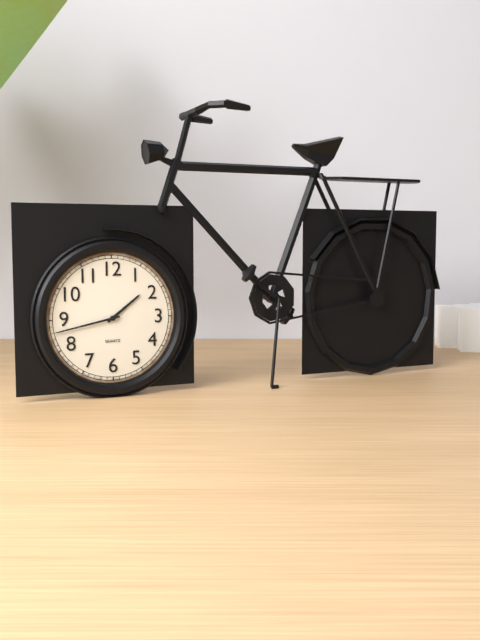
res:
1.43
